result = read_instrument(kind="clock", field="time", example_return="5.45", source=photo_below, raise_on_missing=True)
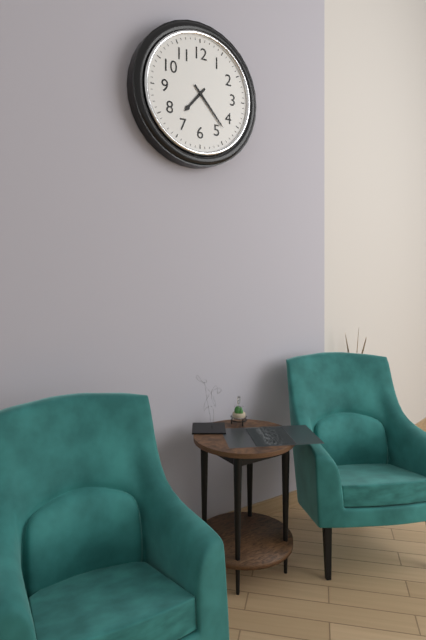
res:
7.23
